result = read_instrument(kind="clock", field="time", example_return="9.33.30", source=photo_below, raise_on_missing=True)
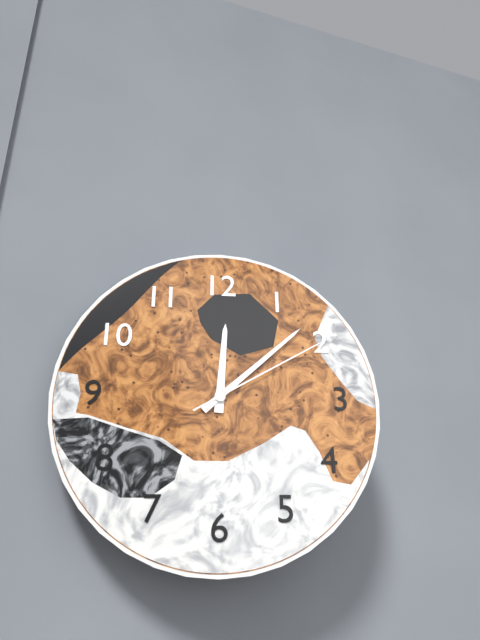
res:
12.08.10
